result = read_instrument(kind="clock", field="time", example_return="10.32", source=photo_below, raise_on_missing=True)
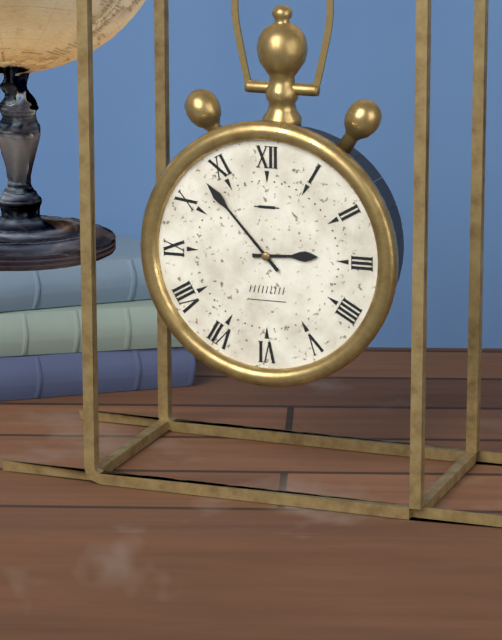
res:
2.53
